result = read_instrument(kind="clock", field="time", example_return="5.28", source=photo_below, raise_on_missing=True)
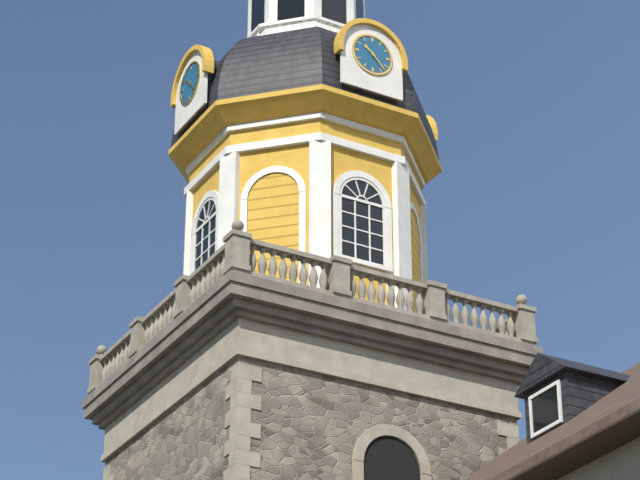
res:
10.23
